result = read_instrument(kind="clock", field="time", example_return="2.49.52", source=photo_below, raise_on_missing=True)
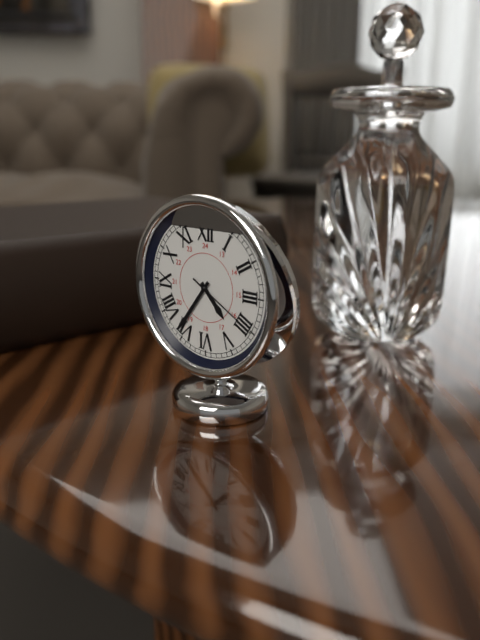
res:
4.36.20
